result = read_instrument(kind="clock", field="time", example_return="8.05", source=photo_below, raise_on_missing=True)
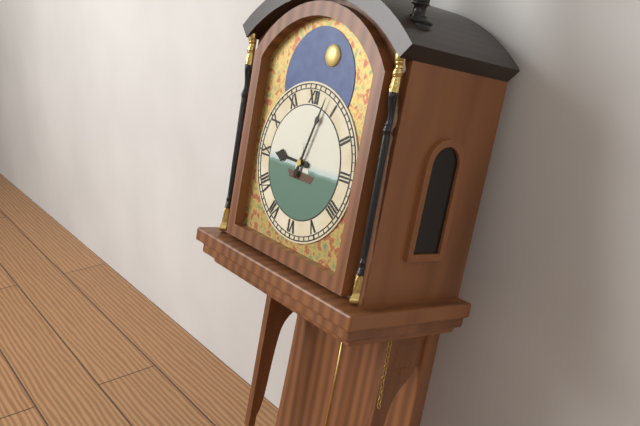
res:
9.03
